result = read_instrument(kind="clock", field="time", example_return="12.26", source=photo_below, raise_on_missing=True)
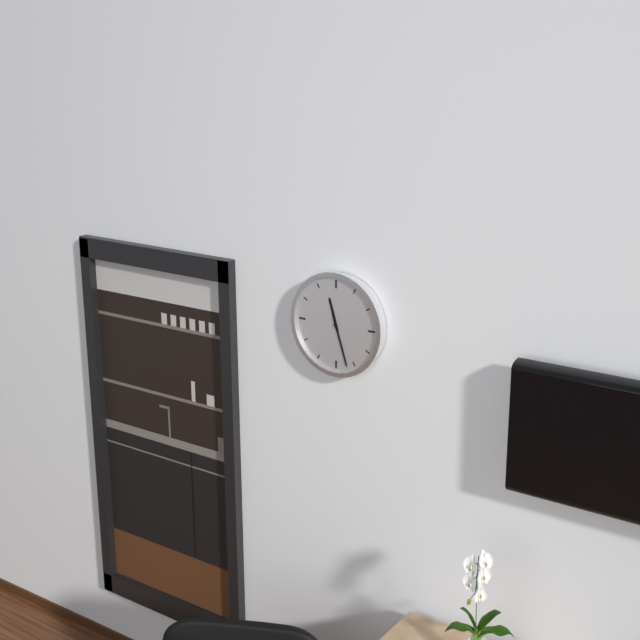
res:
11.27
